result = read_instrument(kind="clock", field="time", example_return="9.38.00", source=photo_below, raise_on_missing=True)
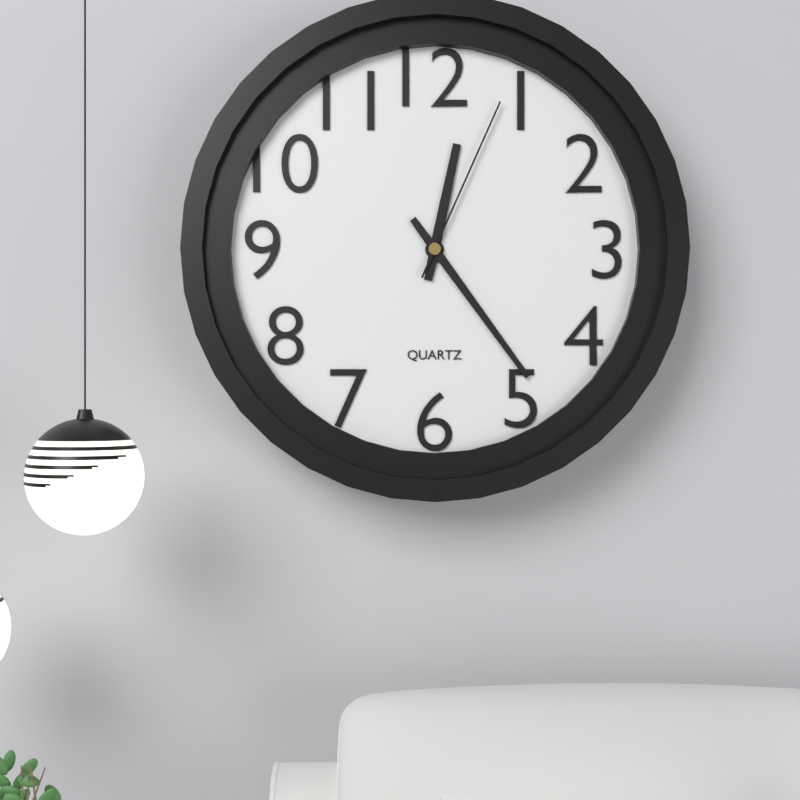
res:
12.24.04
